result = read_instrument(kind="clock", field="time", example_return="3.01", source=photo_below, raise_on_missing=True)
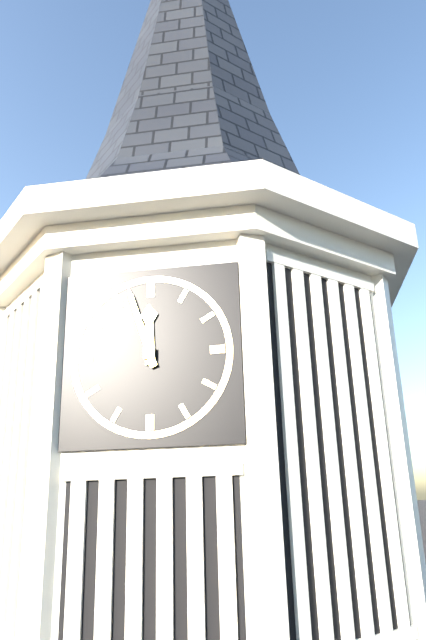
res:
11.57
